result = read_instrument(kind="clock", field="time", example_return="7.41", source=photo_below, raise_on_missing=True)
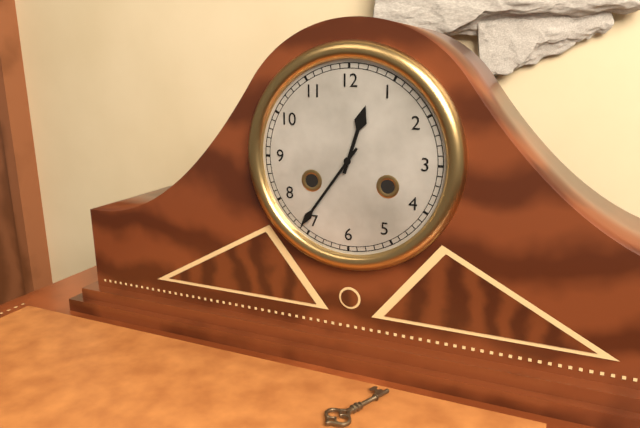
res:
12.36
